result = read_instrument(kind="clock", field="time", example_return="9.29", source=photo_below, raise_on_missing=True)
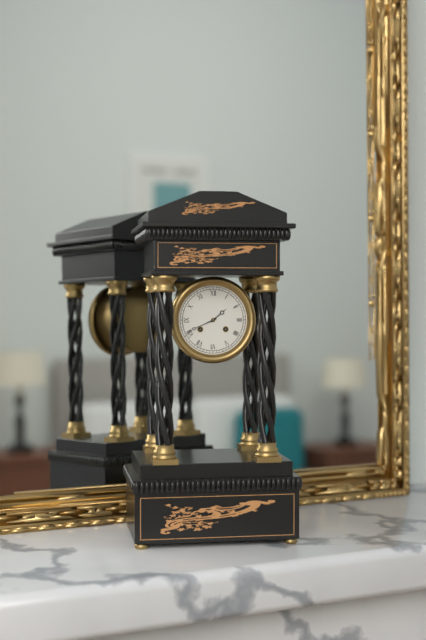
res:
1.41
